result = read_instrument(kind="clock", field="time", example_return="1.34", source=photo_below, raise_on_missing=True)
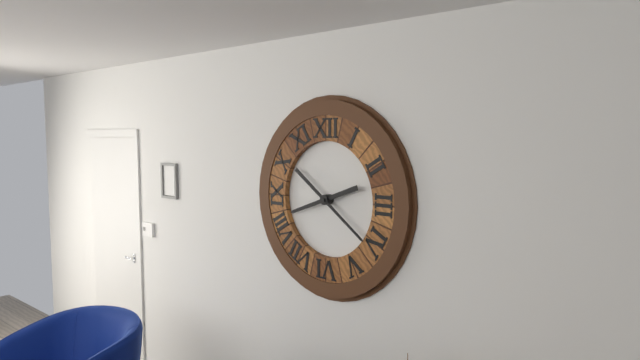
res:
8.21
